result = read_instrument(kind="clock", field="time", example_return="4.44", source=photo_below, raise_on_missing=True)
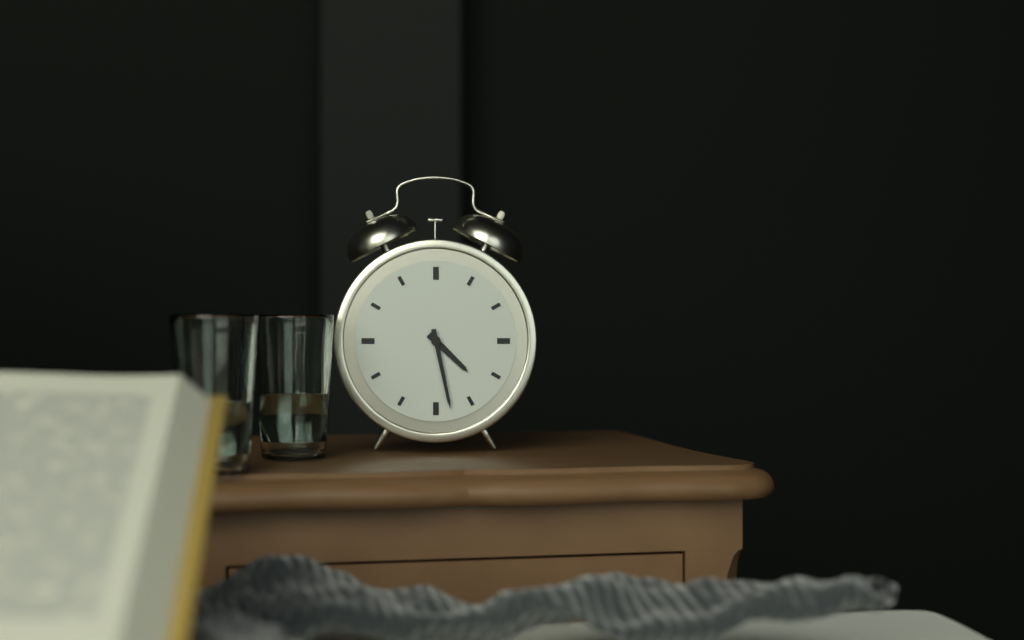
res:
4.28
